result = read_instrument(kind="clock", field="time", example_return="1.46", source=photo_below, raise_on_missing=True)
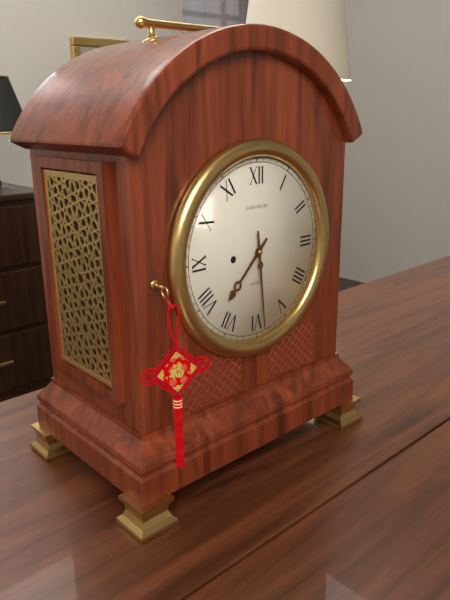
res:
7.29
